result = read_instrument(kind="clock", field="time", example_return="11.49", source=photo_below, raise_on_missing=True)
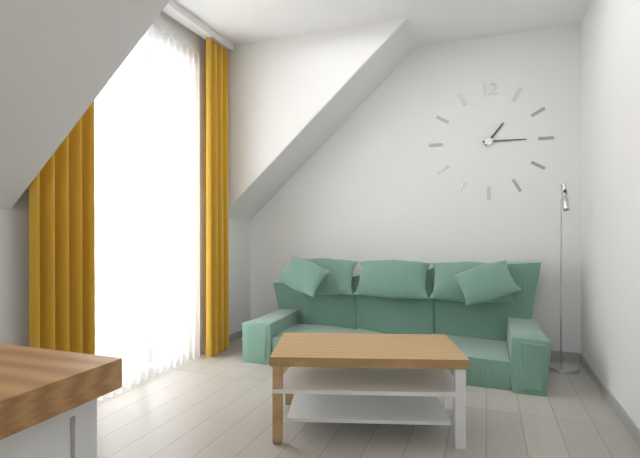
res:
1.15
